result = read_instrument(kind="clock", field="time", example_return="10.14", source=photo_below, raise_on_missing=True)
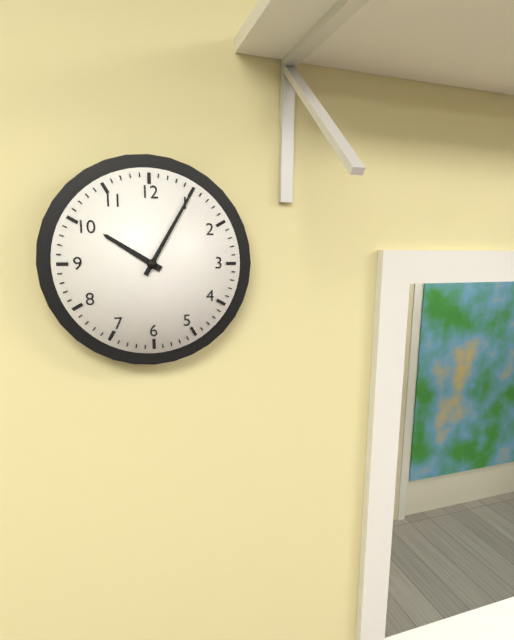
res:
10.05
